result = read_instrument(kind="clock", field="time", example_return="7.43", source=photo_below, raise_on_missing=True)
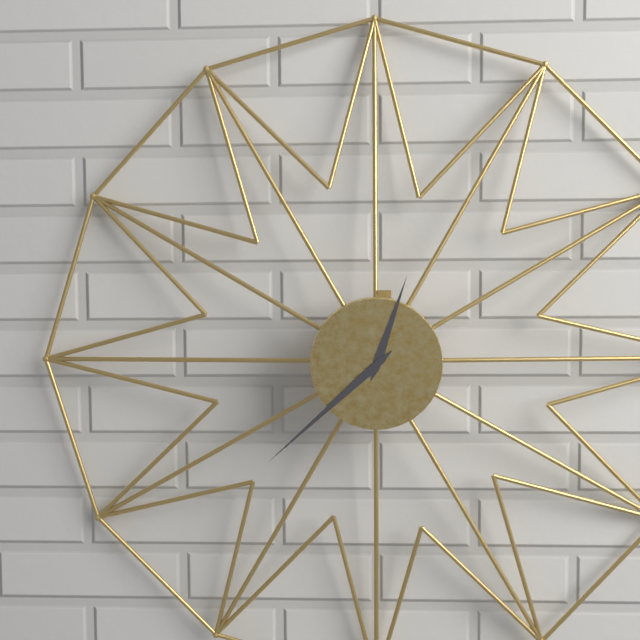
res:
12.38
